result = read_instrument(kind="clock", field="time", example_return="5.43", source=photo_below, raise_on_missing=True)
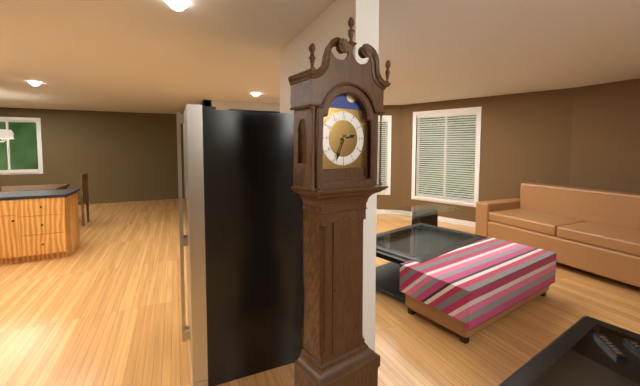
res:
2.34
